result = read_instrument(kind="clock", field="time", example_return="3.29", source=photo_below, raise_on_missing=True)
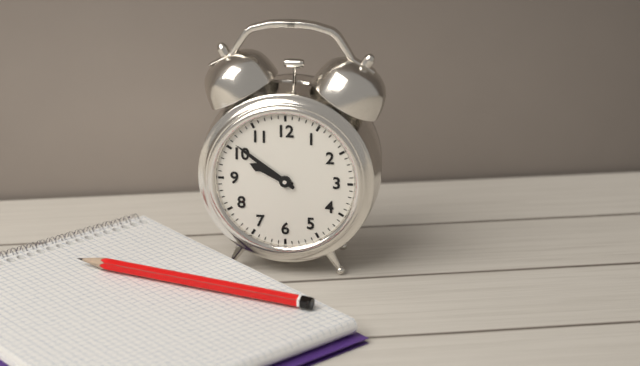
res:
9.51
